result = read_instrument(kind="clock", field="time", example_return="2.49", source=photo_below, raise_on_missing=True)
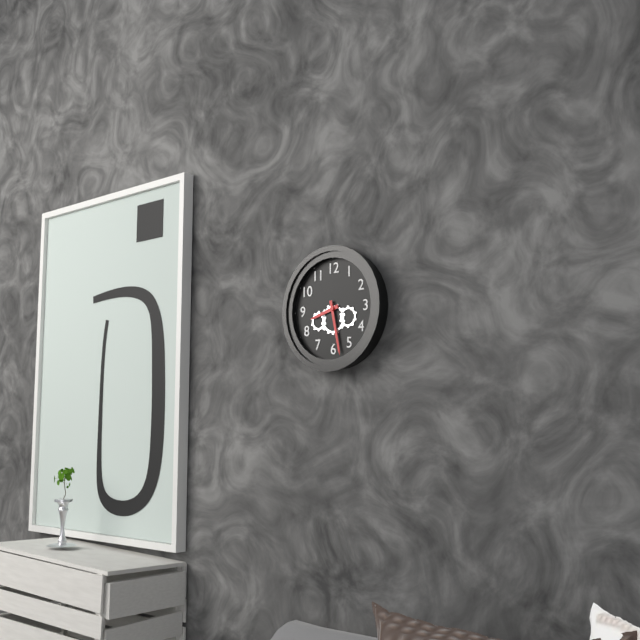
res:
8.28
